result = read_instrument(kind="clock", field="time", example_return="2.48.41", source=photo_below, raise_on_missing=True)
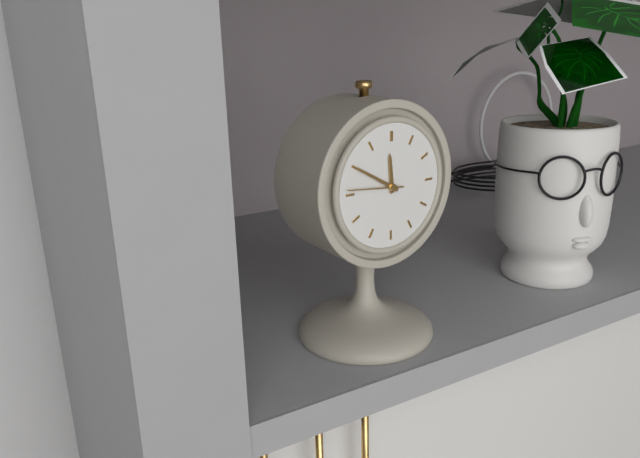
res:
11.50.46
